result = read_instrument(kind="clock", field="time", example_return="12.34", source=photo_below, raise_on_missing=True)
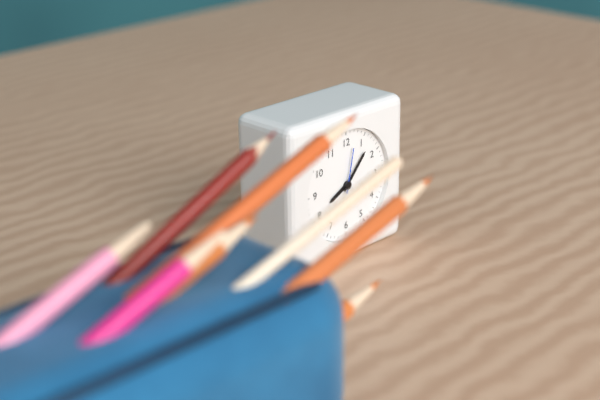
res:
8.07
